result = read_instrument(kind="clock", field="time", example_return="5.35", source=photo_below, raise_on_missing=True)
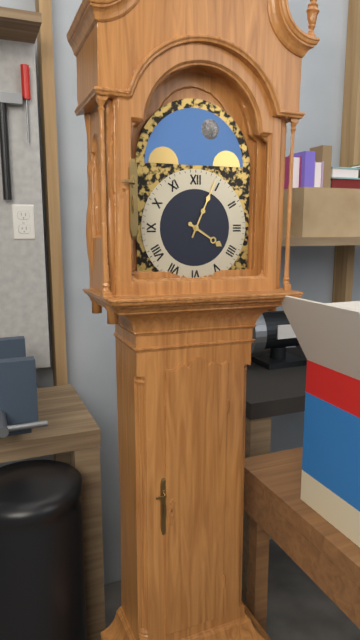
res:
4.04
